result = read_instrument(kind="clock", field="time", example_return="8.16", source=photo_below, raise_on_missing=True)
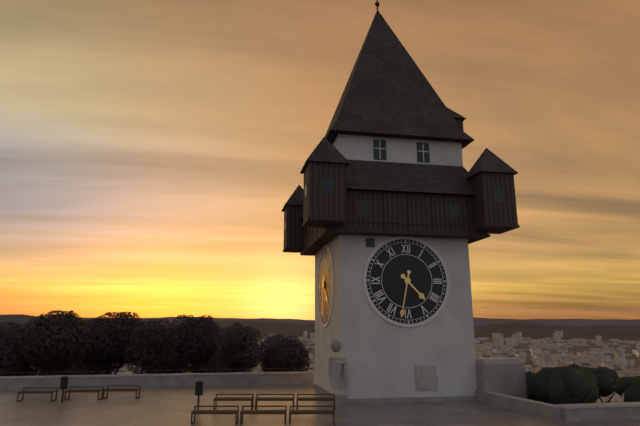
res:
4.32
